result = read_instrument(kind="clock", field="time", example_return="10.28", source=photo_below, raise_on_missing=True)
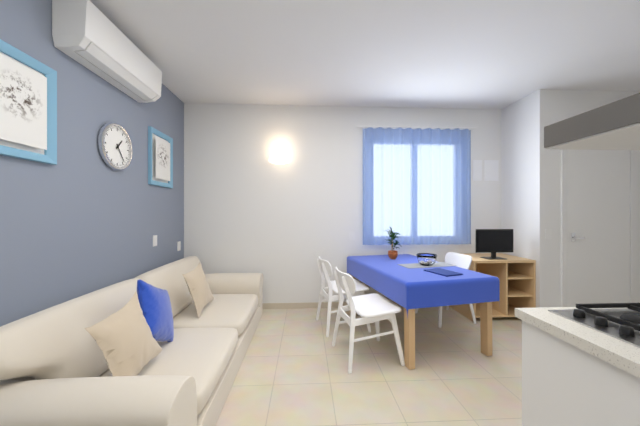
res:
1.24
